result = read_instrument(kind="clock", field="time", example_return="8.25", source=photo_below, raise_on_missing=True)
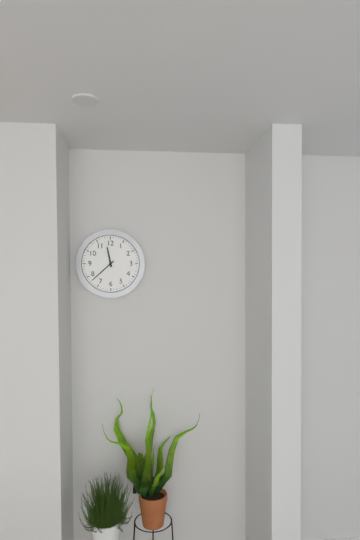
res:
11.38
